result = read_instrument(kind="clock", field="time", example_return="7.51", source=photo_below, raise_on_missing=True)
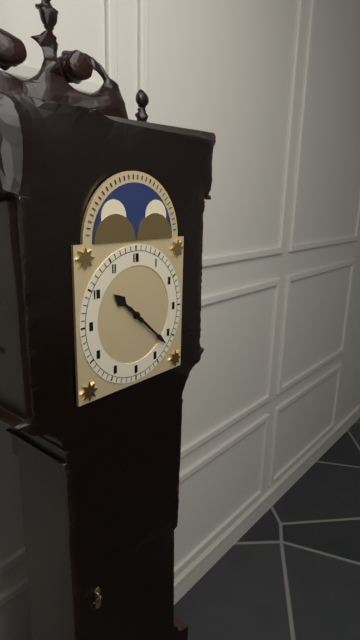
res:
10.22
